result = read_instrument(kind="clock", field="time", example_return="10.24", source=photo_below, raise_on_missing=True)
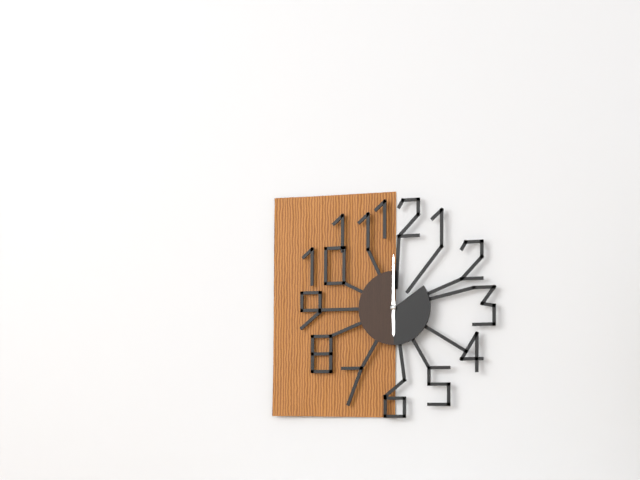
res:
6.00
